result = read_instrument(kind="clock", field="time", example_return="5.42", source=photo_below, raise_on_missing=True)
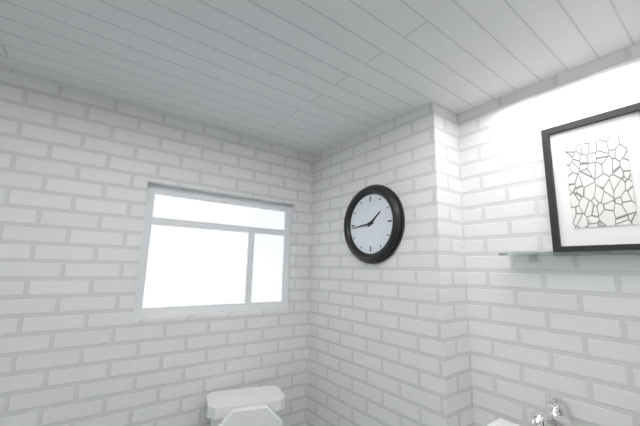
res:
1.44
